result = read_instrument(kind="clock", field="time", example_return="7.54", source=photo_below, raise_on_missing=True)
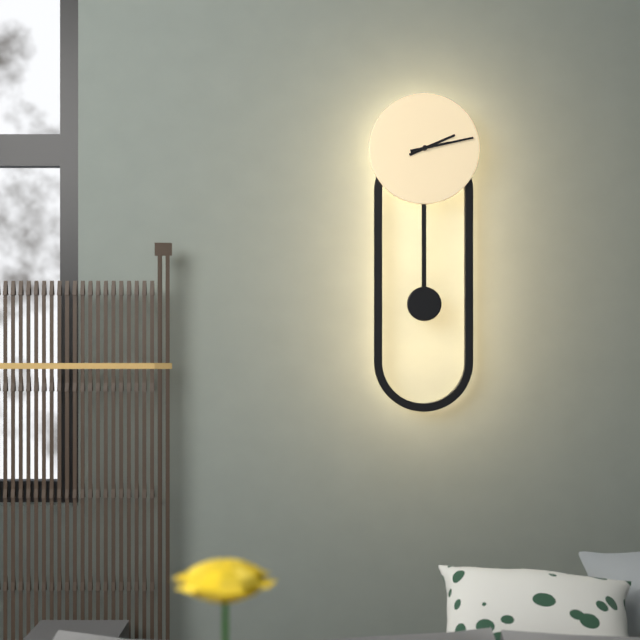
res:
2.13
